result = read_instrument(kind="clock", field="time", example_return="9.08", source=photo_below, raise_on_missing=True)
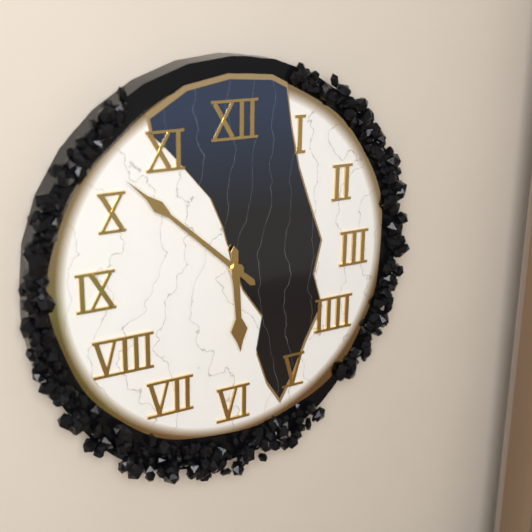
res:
5.52
